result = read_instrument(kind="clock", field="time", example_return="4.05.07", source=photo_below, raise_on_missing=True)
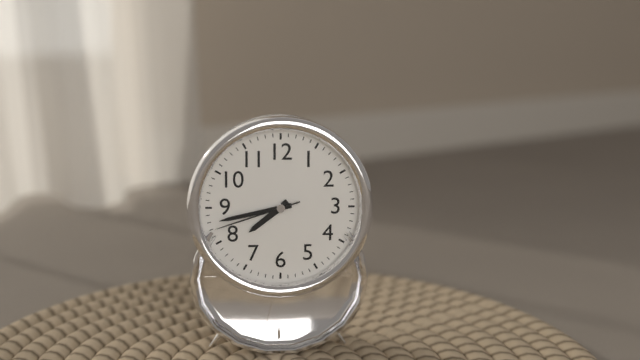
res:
7.43.42
